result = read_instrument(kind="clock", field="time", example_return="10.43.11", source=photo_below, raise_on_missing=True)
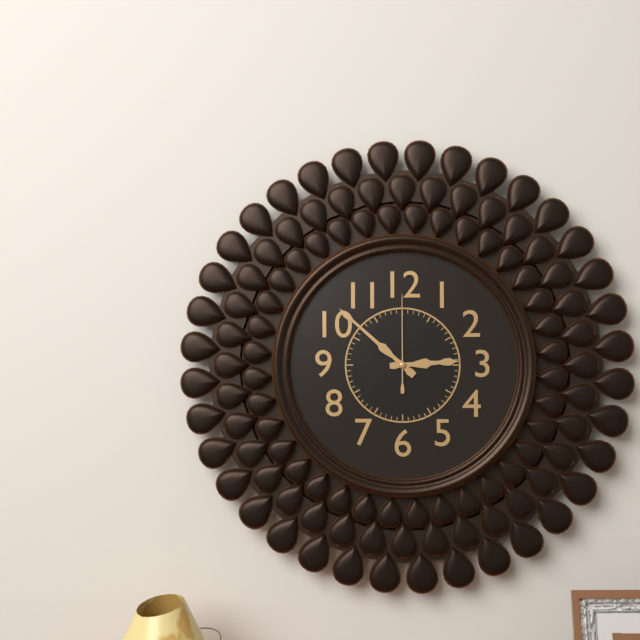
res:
2.52.00
